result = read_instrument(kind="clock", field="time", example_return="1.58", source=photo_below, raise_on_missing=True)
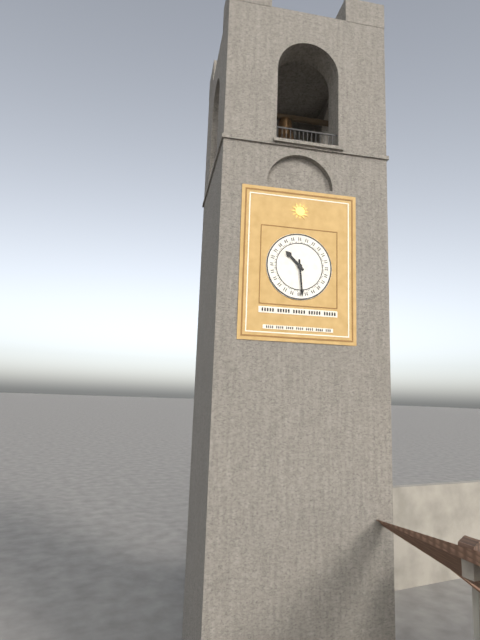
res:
10.29
